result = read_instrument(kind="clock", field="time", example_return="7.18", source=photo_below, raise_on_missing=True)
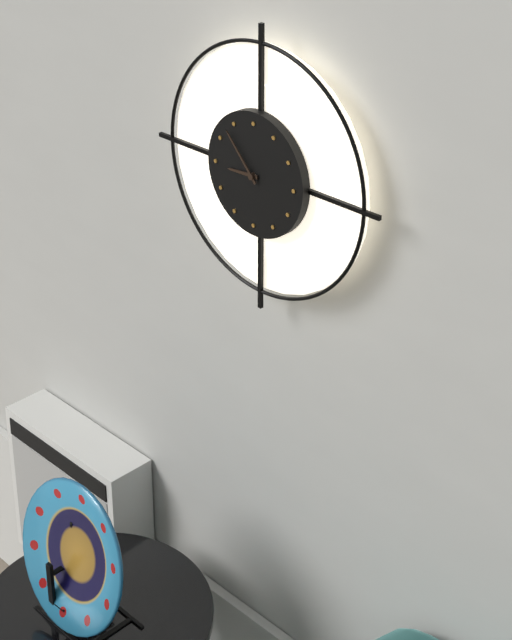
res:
8.53
